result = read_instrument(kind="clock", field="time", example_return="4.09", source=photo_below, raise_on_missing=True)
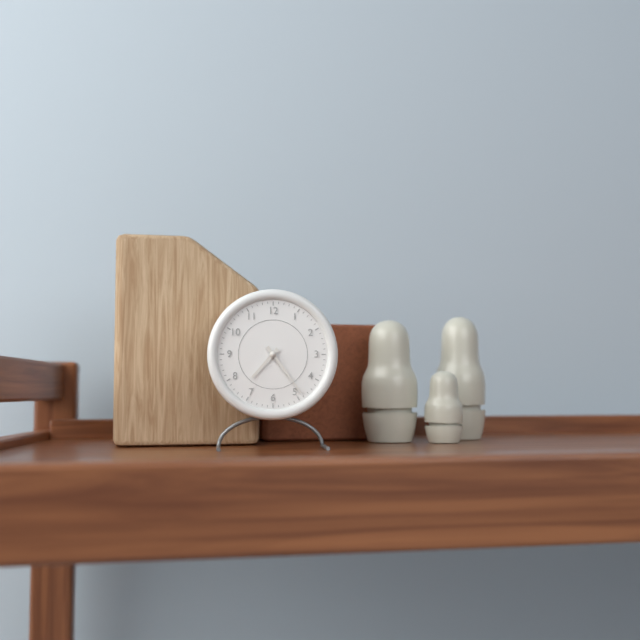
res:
7.24
